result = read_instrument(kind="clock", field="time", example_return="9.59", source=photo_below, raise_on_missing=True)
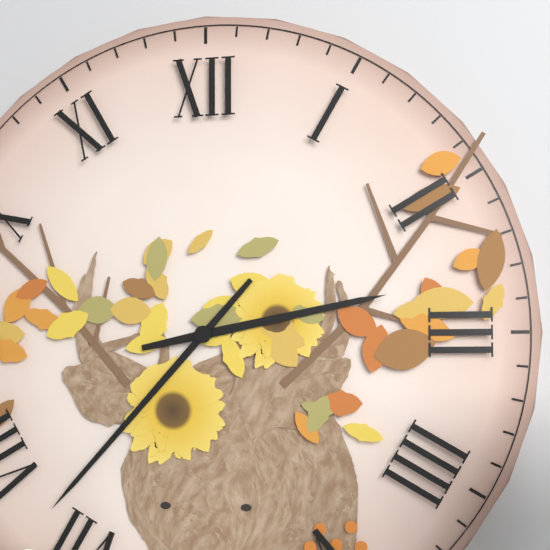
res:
2.37
